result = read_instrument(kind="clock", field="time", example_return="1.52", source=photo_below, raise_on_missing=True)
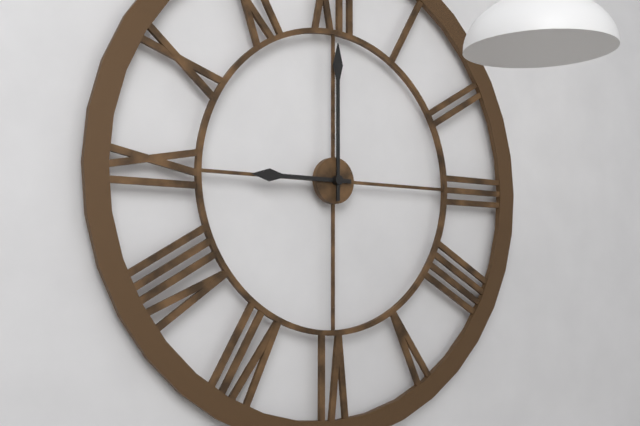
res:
9.00
